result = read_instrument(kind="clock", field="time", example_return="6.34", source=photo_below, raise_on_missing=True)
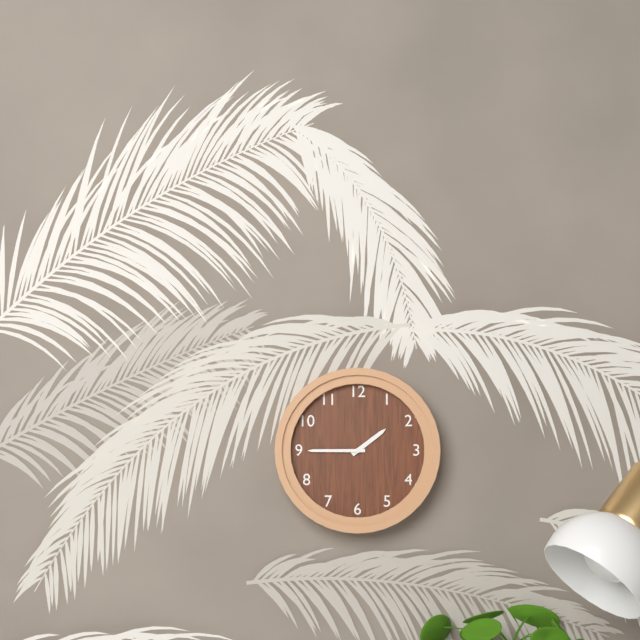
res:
1.45
